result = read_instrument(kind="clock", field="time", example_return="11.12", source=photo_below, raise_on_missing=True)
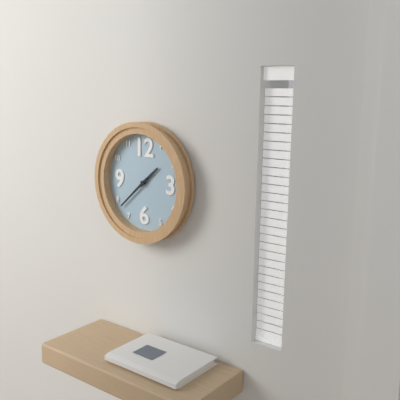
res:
1.38
